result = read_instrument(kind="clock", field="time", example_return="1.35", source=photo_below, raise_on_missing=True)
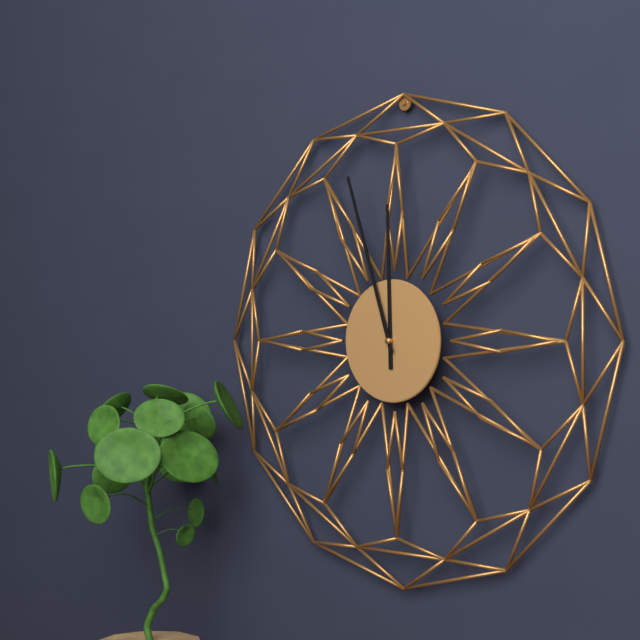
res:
11.57
